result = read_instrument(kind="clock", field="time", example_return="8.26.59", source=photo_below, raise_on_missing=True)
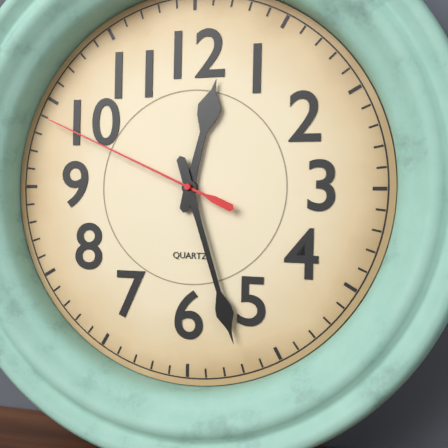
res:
12.27.49
